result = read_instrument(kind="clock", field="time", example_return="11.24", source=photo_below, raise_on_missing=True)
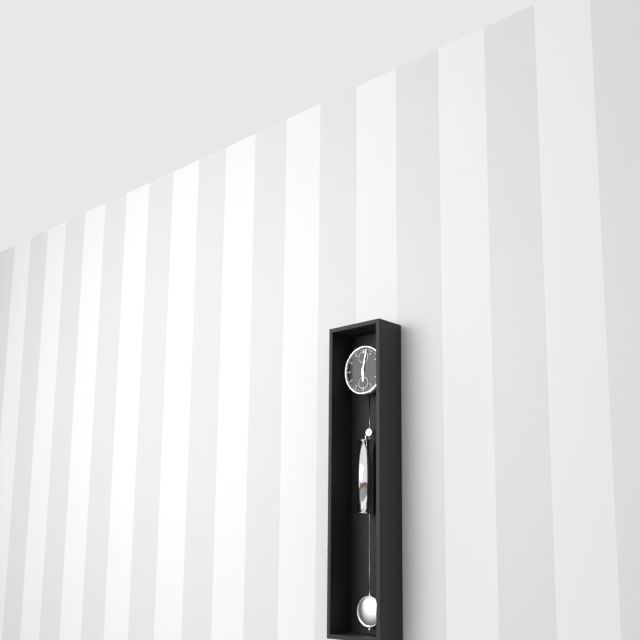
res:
6.02
